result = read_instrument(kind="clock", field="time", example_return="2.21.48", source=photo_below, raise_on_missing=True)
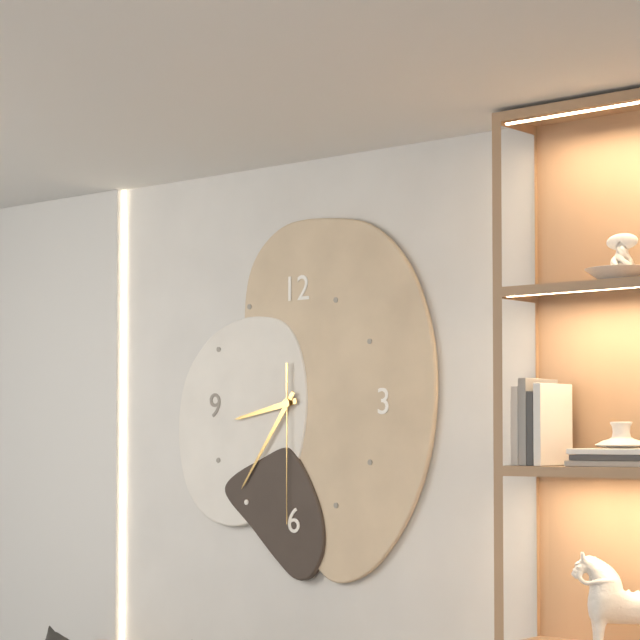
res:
8.36.30
